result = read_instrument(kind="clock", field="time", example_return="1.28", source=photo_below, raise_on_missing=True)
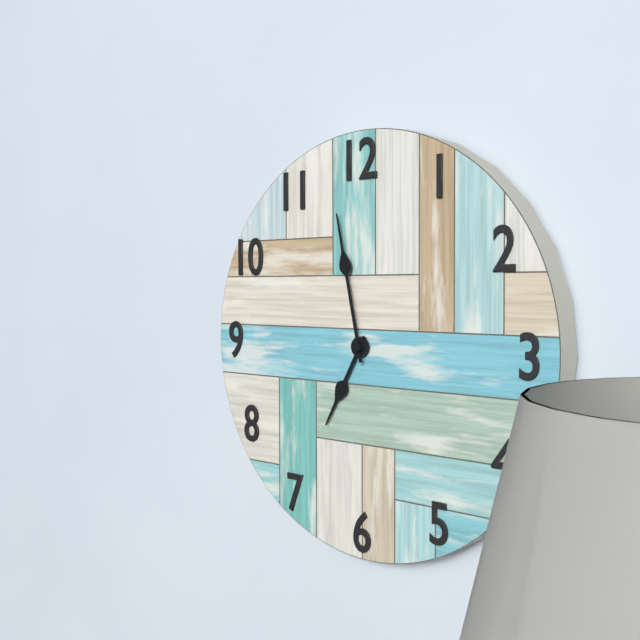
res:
6.58
